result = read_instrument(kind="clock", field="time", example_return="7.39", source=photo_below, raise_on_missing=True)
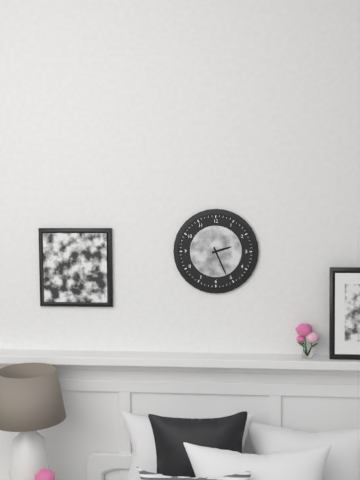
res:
2.26
